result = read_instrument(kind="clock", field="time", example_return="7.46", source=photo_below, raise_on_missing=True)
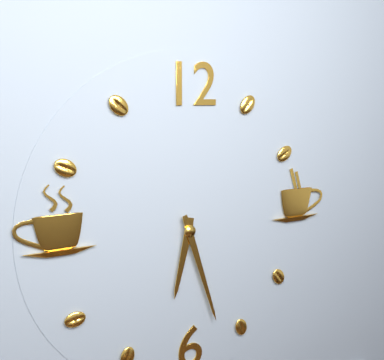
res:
6.27
